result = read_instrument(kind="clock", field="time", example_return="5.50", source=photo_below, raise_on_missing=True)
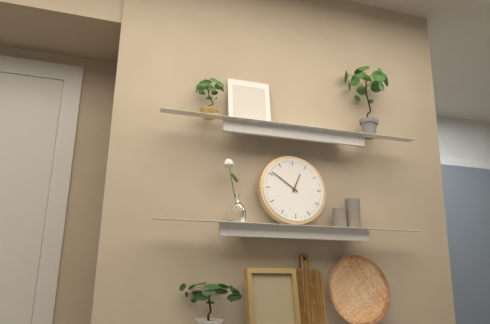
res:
12.51
